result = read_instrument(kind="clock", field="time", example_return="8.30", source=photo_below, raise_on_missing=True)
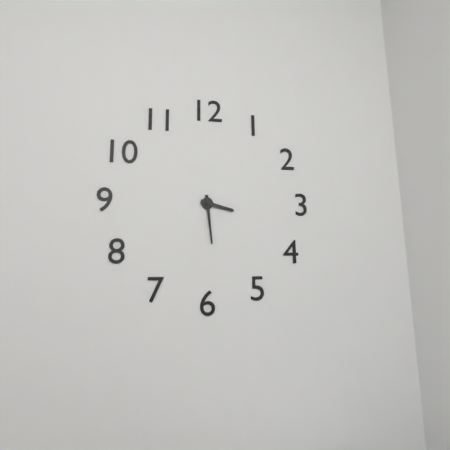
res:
3.29
